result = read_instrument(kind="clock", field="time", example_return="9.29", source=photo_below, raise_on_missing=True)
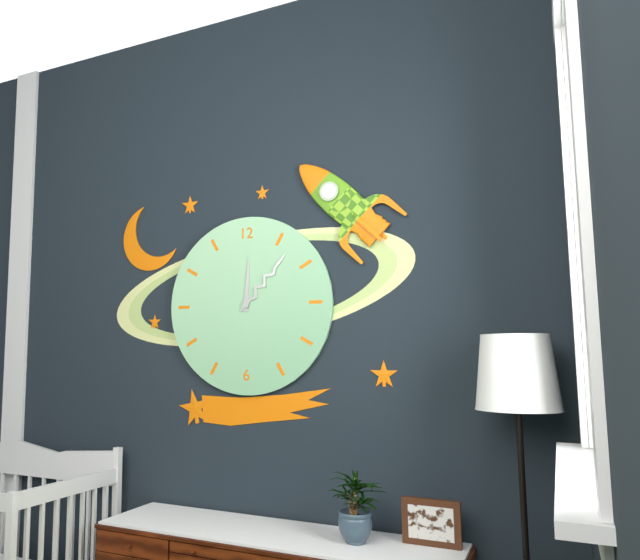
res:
12.07
